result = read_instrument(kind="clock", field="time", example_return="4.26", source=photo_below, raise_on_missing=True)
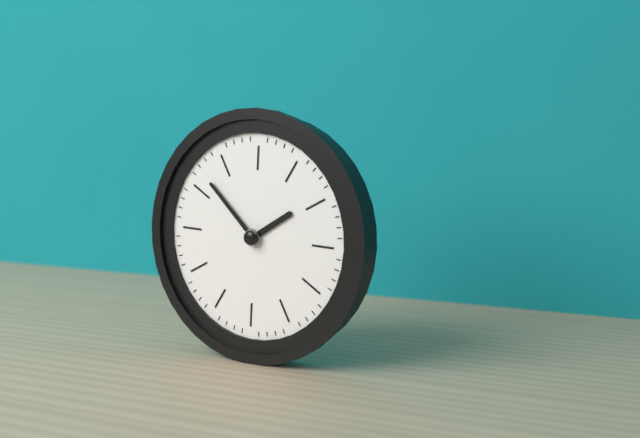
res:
1.52
